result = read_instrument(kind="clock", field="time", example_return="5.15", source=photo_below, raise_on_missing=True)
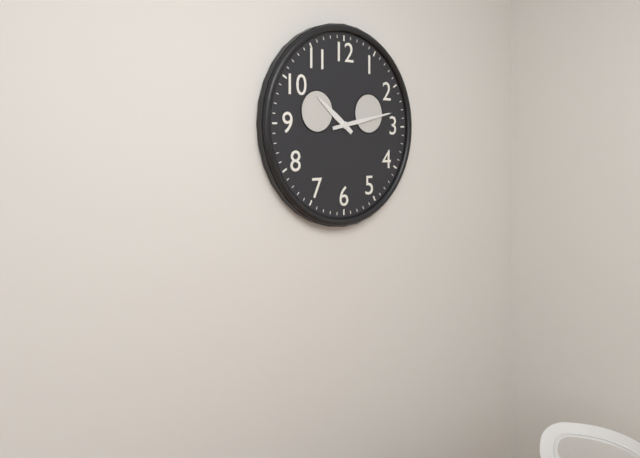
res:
10.13
